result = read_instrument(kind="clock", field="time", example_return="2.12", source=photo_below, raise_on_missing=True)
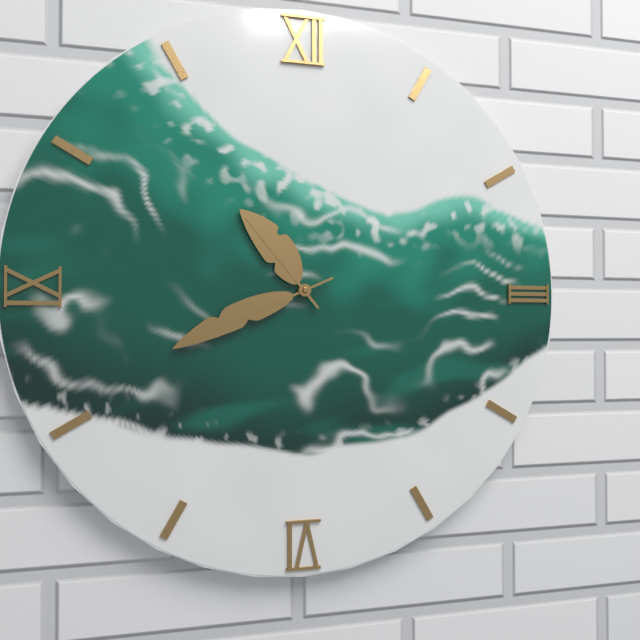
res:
10.41
